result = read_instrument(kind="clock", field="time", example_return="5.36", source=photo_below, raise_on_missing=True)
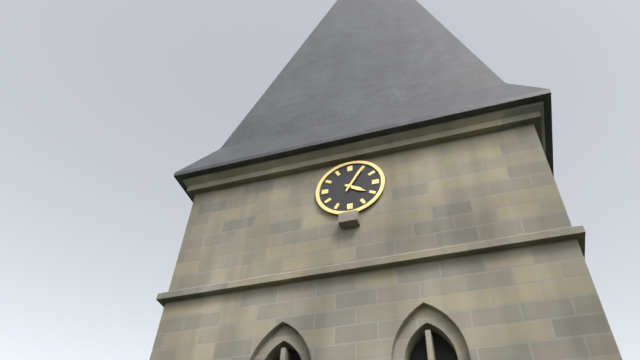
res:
4.05
